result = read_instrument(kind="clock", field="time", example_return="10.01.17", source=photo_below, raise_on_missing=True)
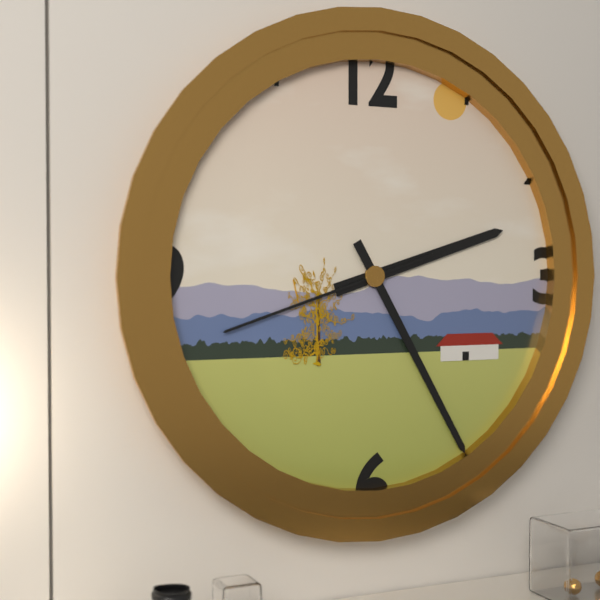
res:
2.25.42
